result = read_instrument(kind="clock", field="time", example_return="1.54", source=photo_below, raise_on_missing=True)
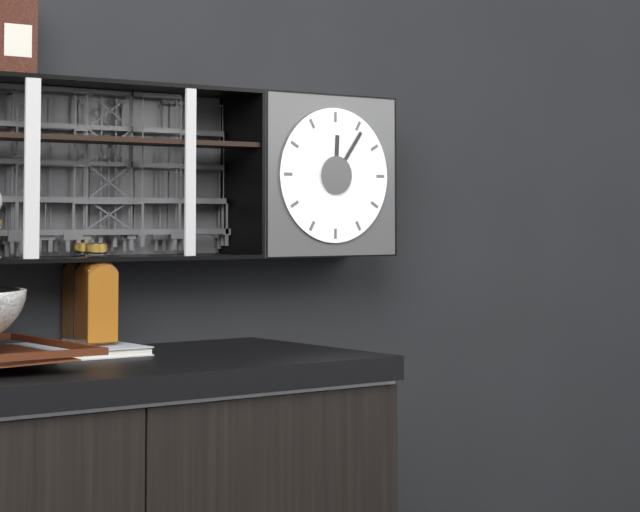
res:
12.06
